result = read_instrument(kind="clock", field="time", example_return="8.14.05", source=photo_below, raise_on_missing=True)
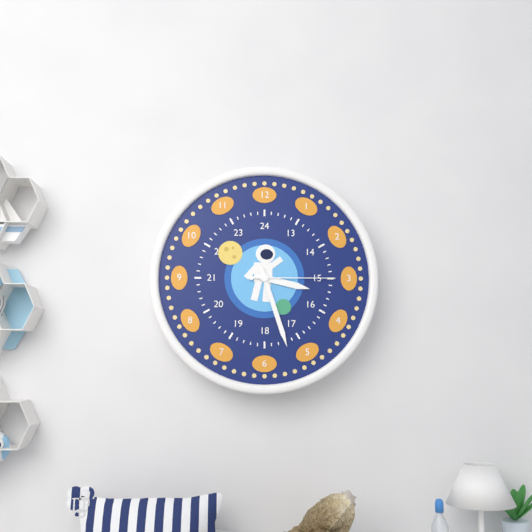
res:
3.27.15
